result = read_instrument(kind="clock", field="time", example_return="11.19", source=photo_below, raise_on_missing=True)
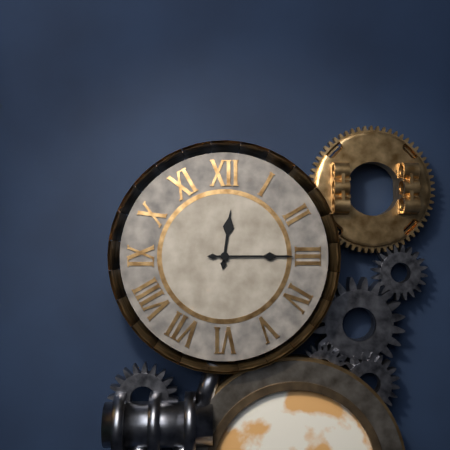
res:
12.15
